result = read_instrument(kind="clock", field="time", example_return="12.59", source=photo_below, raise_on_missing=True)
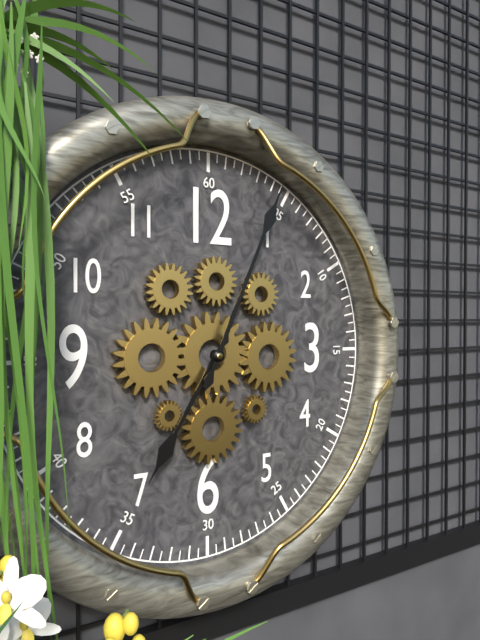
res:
7.04
